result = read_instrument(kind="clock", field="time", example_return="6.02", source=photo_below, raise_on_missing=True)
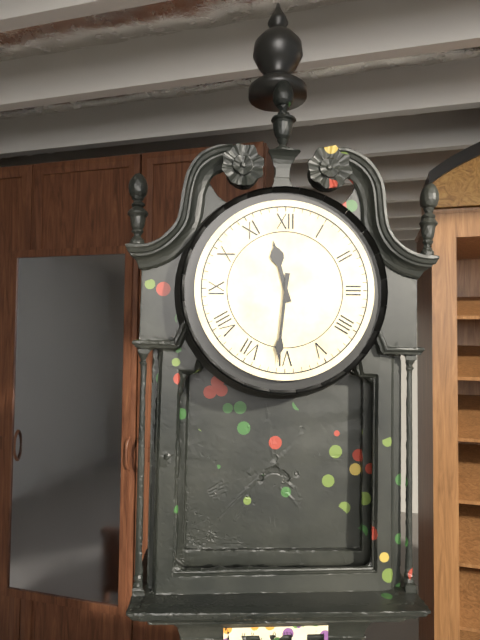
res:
11.31
